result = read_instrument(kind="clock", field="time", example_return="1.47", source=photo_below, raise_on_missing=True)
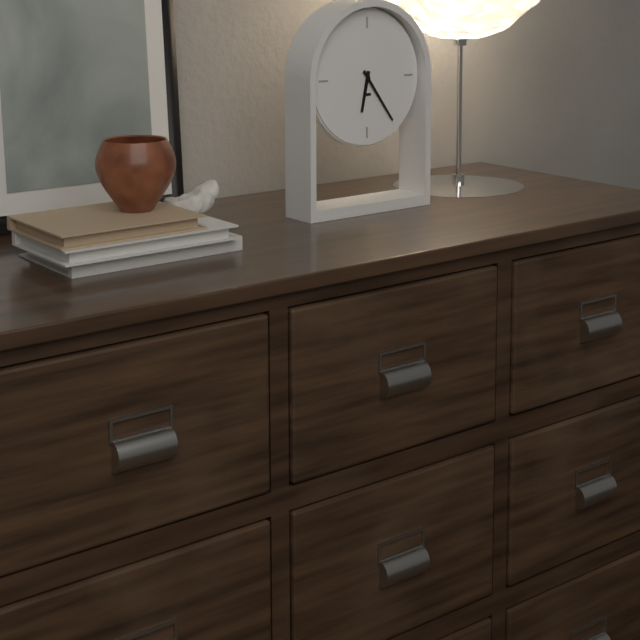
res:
6.24
